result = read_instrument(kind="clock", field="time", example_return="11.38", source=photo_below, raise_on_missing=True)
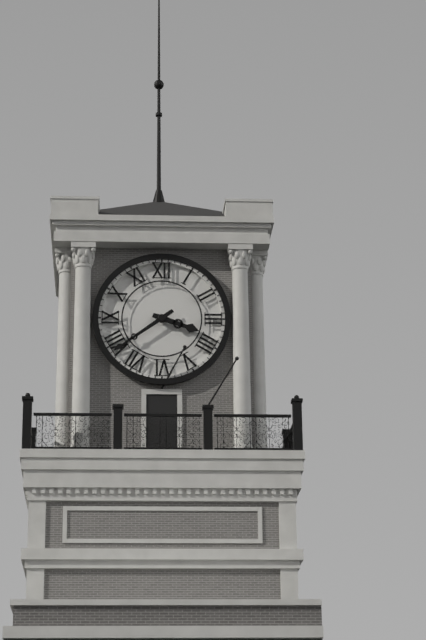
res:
3.39
